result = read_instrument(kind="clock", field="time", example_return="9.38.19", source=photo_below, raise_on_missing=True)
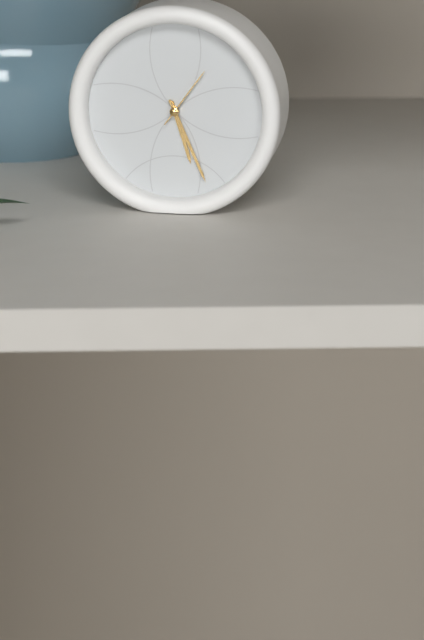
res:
5.26.06
